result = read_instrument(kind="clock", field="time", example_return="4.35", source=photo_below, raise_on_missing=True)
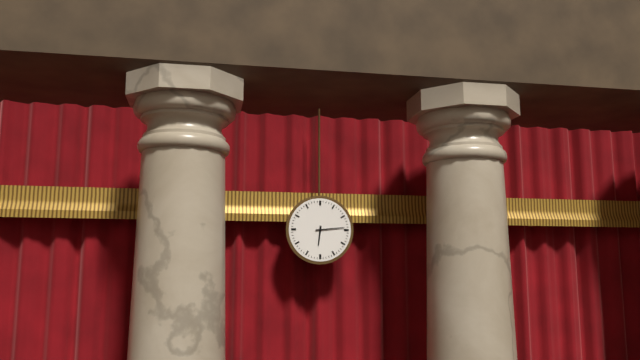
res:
6.14
